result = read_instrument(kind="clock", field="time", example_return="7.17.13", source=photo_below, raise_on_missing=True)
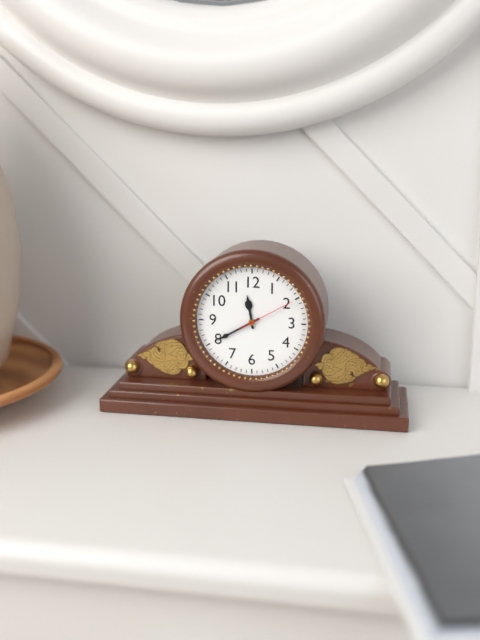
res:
11.40.10
